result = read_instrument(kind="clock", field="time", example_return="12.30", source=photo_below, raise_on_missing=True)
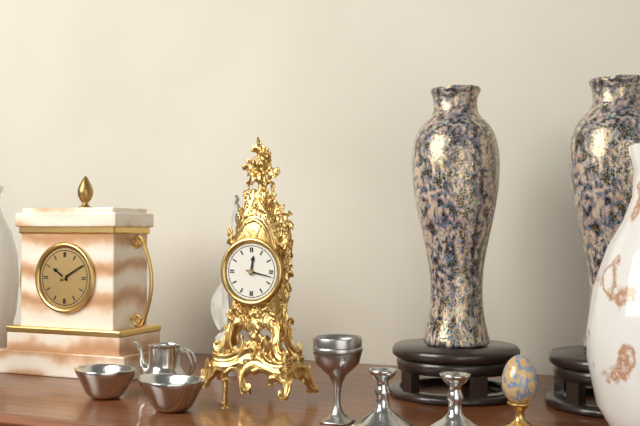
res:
12.17
